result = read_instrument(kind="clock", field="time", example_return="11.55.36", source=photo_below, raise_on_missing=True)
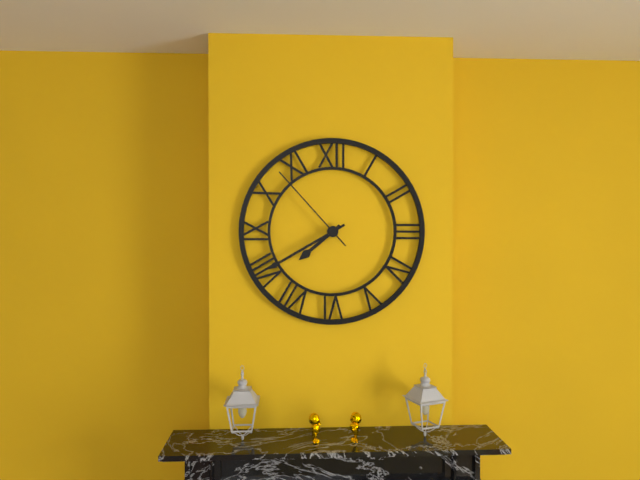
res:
7.40.53
